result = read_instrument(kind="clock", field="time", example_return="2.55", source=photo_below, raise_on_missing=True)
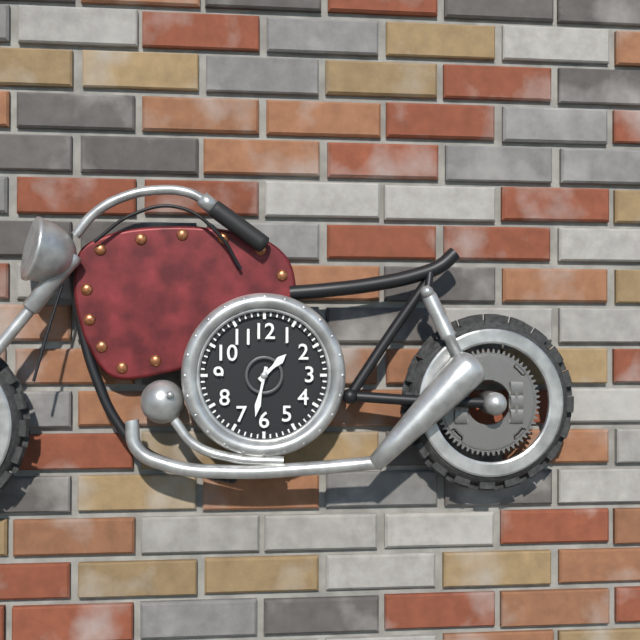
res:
1.32
